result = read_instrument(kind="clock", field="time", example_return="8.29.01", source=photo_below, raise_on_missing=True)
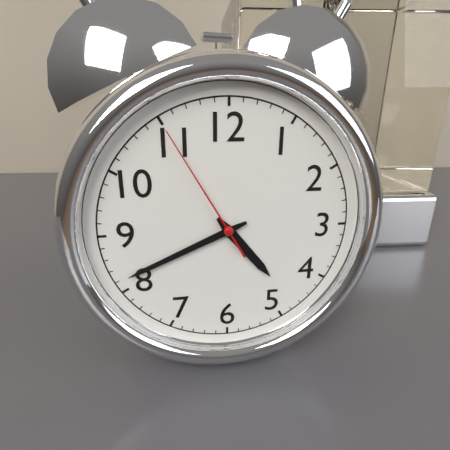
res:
4.41.55
